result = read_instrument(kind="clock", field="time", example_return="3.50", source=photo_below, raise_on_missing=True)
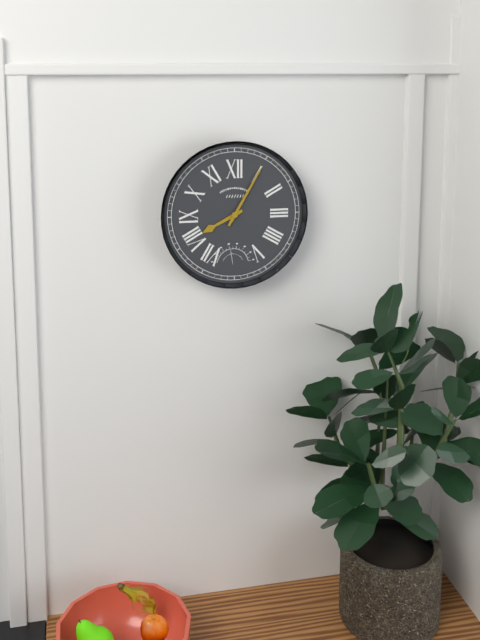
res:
8.05
